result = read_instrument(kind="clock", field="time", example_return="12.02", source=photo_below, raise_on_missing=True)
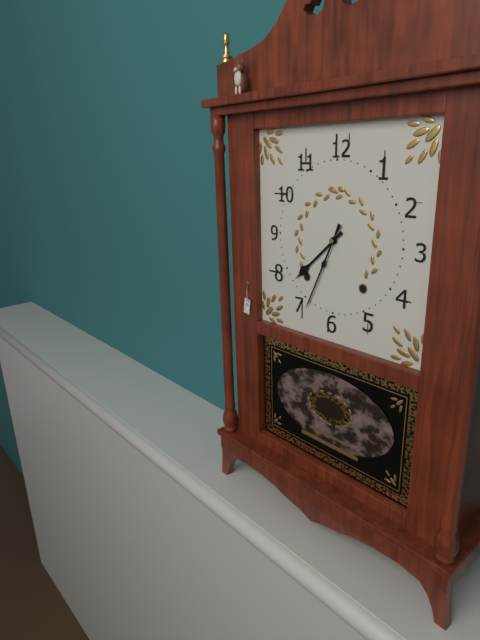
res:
7.34
